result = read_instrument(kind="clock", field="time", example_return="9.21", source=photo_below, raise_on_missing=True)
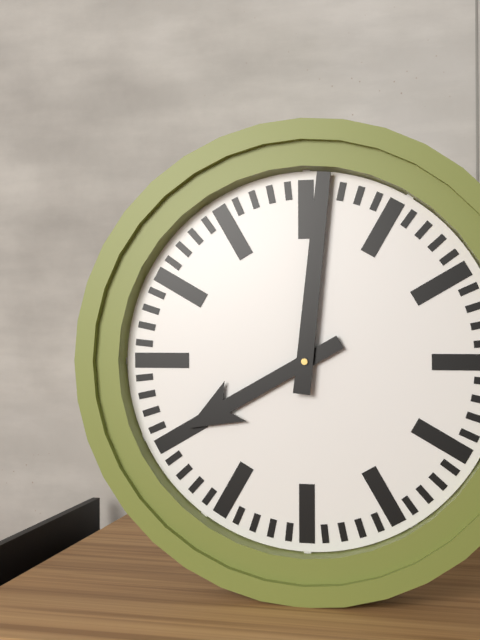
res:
8.01
